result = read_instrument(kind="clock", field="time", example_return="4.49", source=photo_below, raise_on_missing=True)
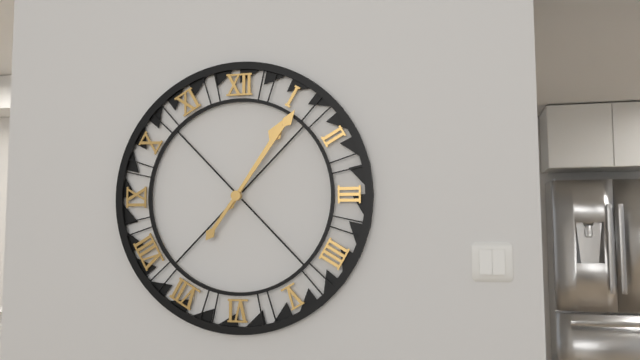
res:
1.06
